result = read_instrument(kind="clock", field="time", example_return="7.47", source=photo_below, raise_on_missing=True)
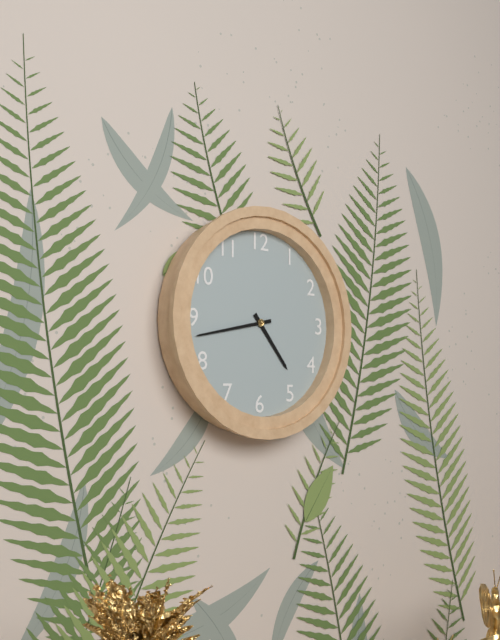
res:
4.43
